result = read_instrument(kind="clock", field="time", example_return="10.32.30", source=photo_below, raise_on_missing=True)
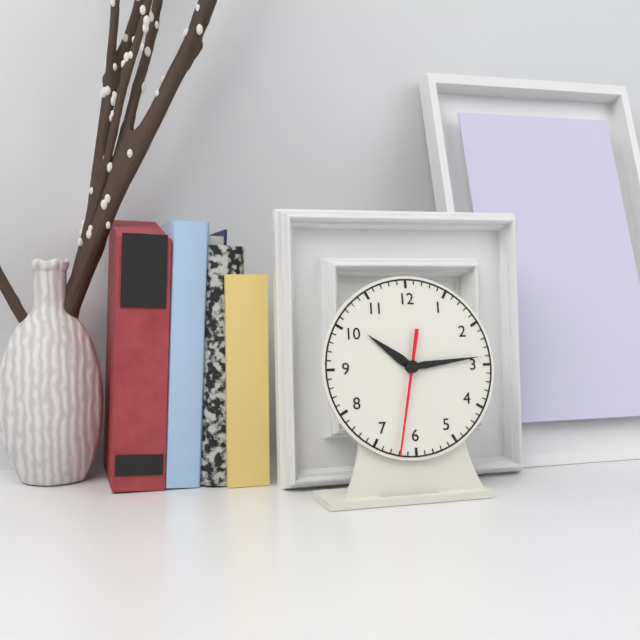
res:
10.14.32
